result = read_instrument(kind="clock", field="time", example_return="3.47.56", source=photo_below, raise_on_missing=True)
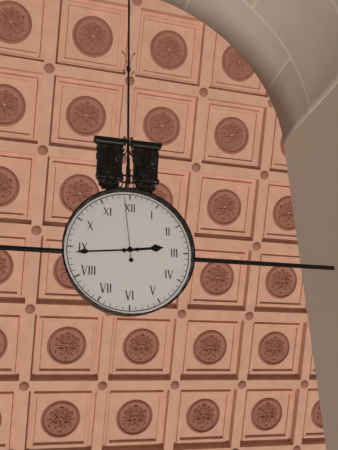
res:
2.44.59
